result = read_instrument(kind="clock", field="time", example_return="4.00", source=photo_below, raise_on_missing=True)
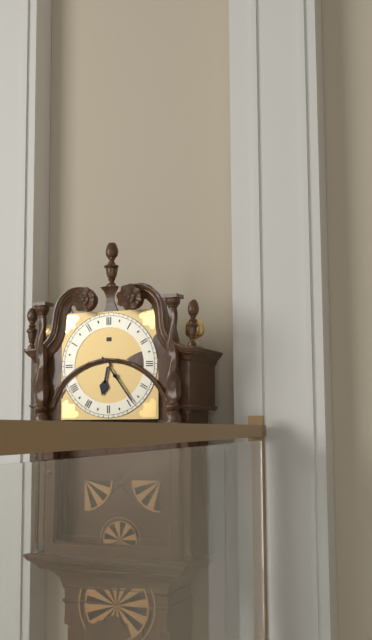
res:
6.24
